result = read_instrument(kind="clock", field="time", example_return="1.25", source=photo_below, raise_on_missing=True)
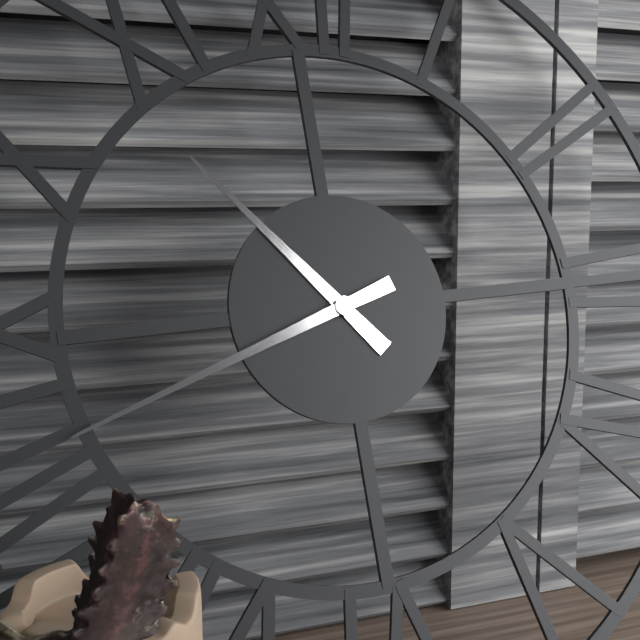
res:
10.42
